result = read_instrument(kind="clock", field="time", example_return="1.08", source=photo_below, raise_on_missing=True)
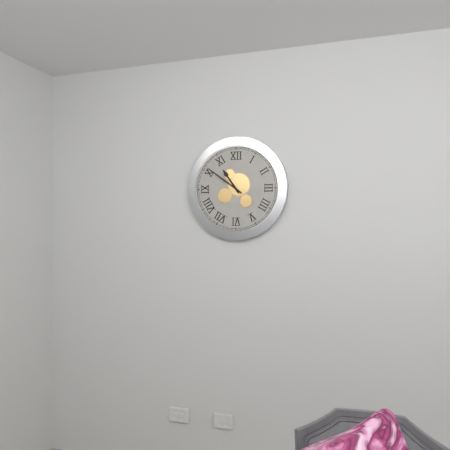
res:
10.51
